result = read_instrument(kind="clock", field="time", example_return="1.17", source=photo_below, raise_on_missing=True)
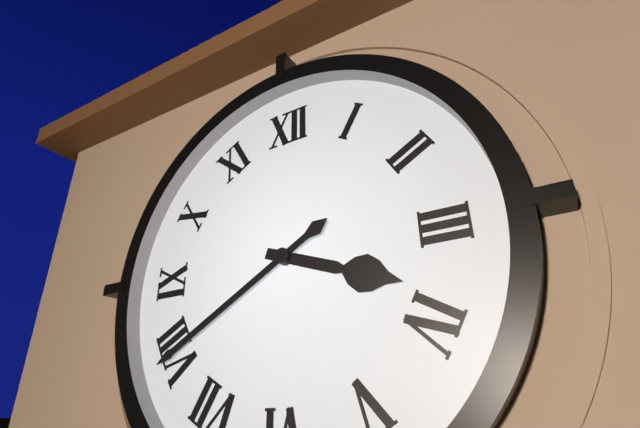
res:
3.40
